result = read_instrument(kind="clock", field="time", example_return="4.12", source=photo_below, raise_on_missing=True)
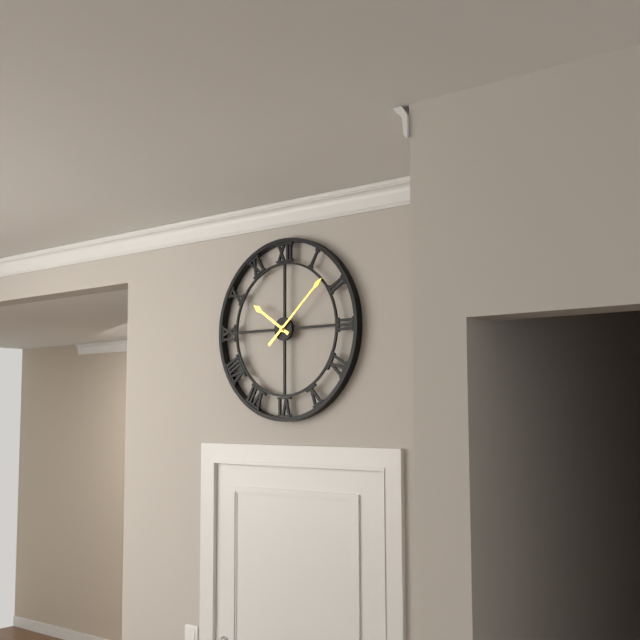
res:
10.08
